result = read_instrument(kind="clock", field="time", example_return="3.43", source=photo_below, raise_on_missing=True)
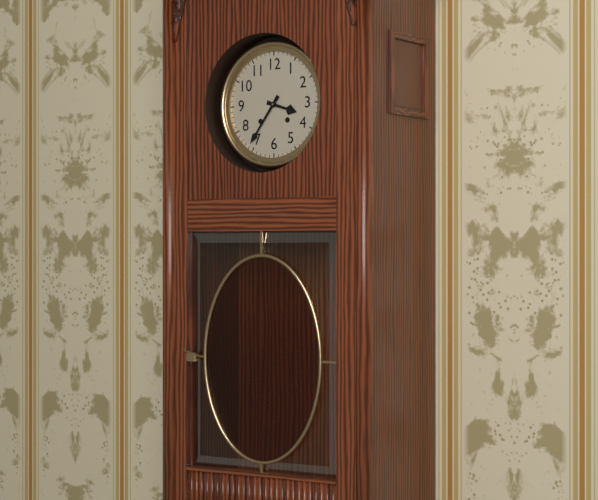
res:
3.36
